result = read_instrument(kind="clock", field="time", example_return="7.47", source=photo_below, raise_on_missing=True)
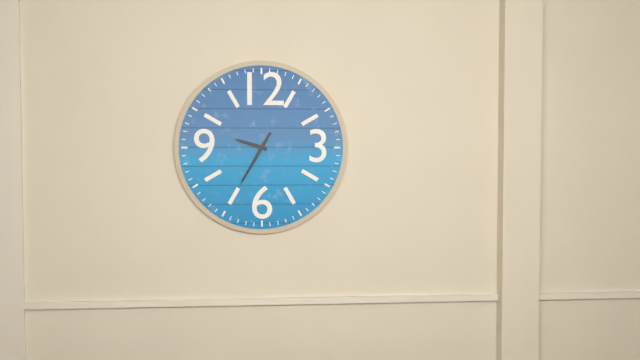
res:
9.35
